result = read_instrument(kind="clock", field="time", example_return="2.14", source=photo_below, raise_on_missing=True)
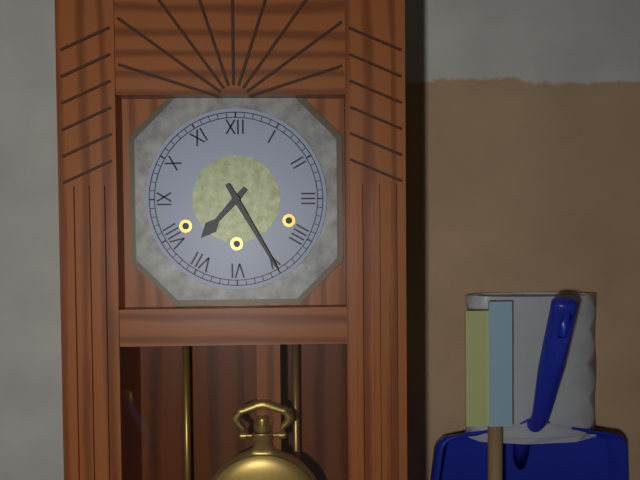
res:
7.25
